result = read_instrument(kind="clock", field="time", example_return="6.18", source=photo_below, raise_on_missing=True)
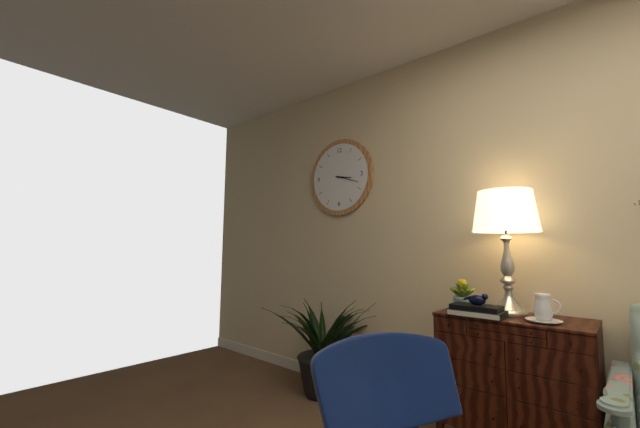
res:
3.18
